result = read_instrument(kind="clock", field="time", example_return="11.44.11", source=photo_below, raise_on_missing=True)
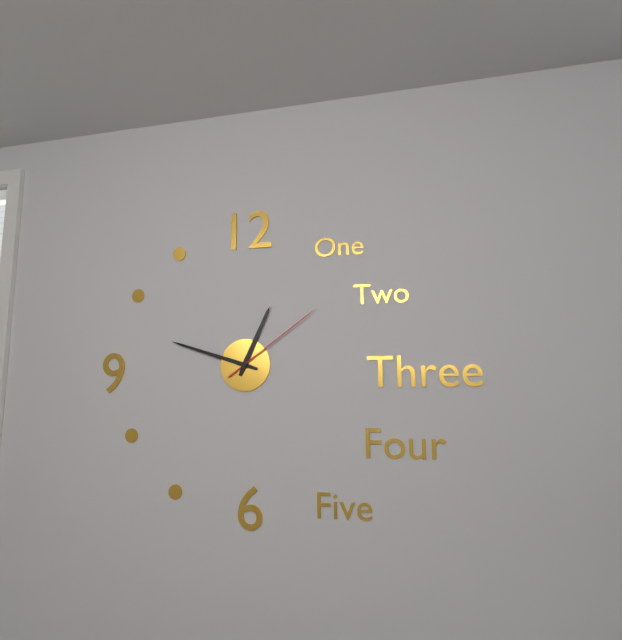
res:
12.48.09
